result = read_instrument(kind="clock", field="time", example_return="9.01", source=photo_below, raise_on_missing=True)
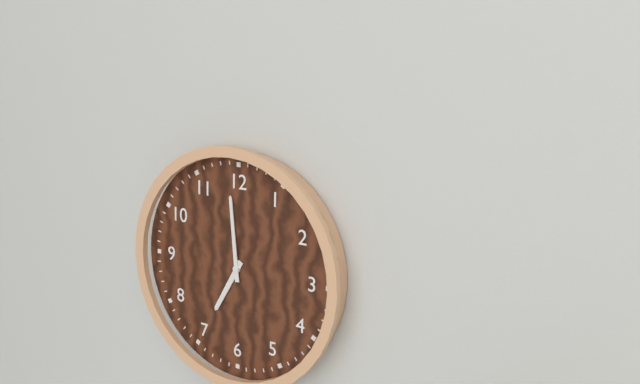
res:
6.59
